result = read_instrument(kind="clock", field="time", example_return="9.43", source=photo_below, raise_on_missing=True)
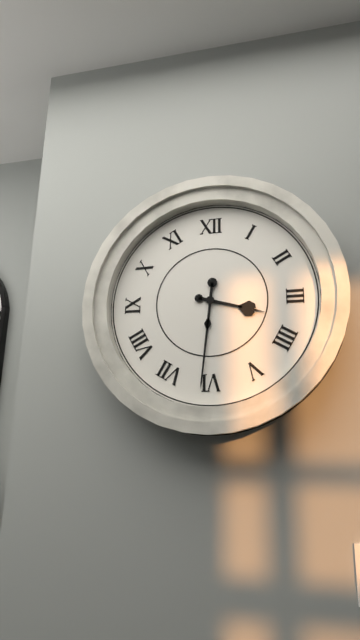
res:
3.31
